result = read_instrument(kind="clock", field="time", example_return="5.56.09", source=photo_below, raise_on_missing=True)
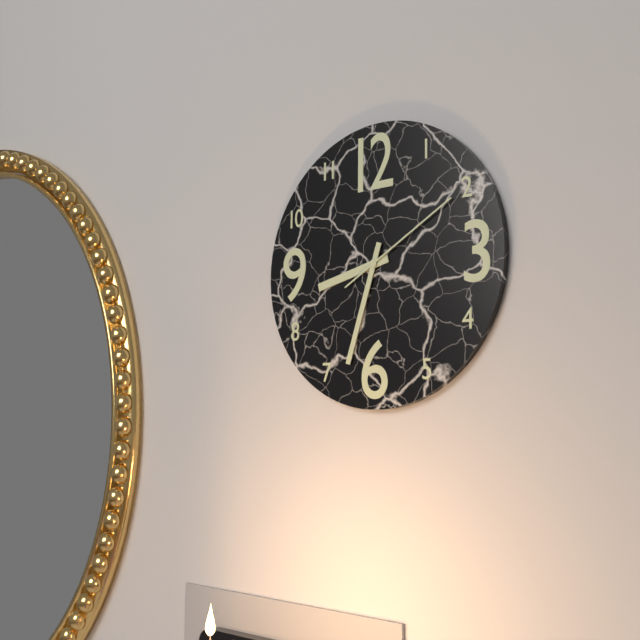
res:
8.33.10
